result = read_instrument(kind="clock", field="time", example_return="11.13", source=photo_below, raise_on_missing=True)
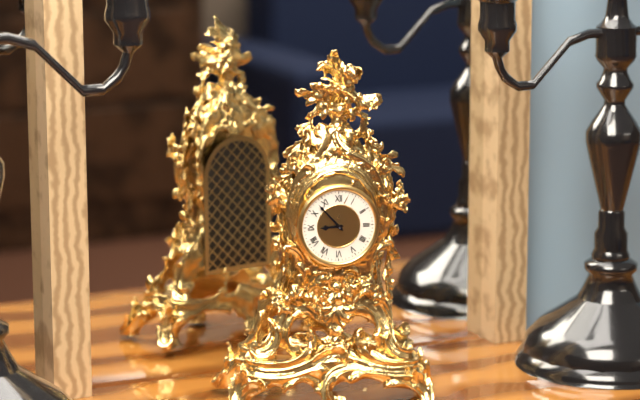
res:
8.53
